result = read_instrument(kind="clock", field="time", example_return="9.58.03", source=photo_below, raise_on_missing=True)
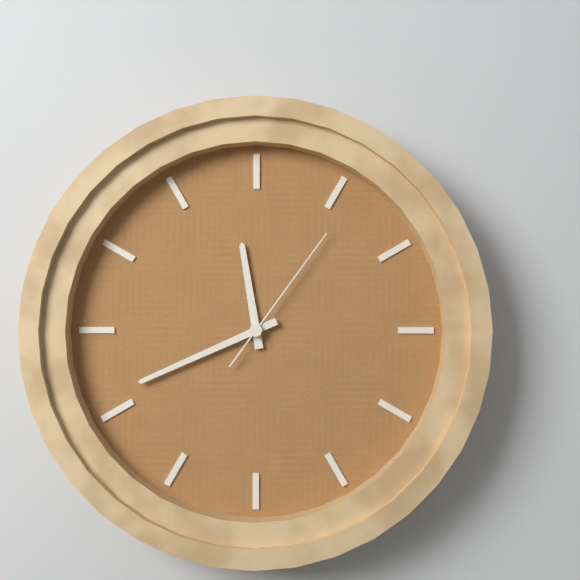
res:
11.41.06
